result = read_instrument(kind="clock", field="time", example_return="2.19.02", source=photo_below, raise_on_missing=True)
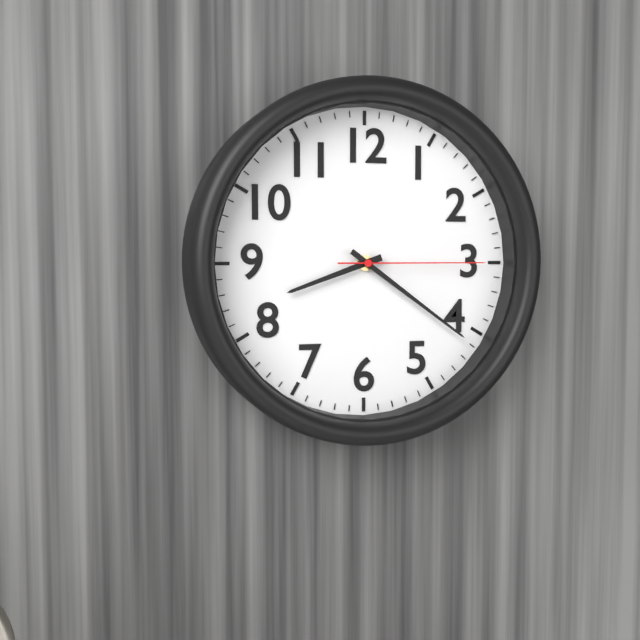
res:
8.21.15
